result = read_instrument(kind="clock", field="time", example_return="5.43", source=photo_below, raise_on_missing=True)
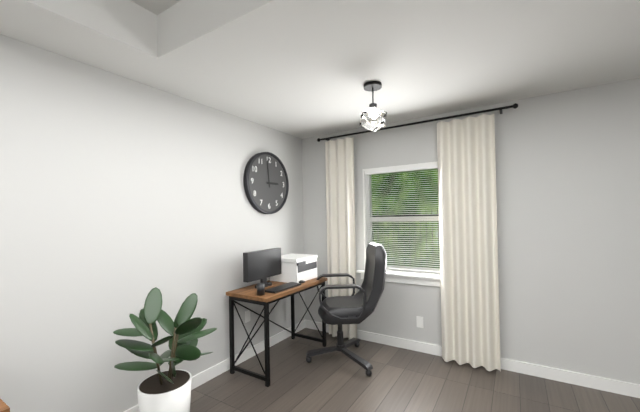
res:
2.59
